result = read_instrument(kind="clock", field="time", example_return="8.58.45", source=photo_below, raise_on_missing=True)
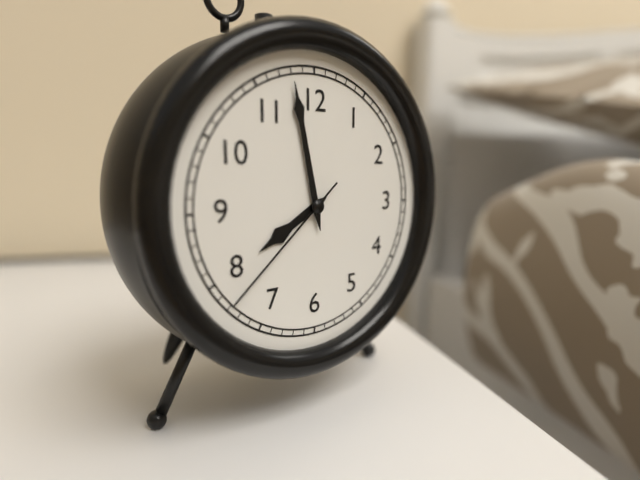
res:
7.58.38
